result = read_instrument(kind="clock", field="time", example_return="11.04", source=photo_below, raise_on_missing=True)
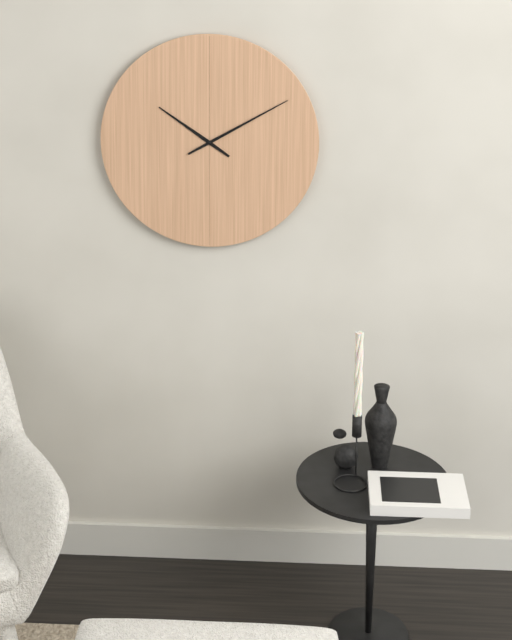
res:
10.10
